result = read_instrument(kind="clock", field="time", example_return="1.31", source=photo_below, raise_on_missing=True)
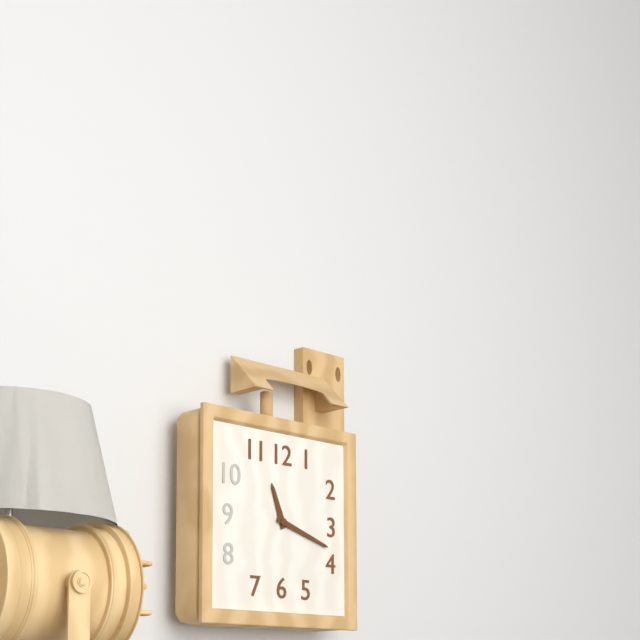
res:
11.18
